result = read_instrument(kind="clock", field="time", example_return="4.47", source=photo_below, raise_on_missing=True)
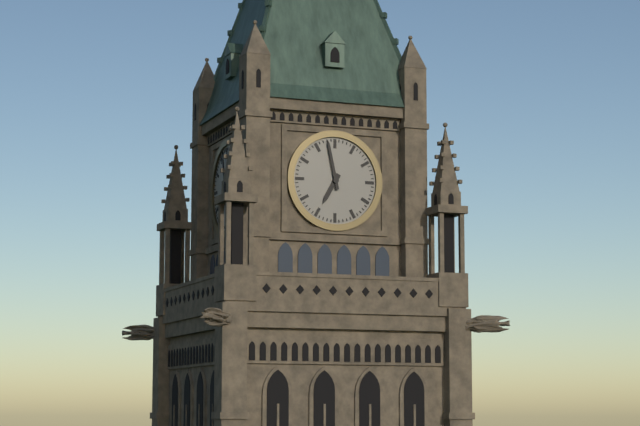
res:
6.58
